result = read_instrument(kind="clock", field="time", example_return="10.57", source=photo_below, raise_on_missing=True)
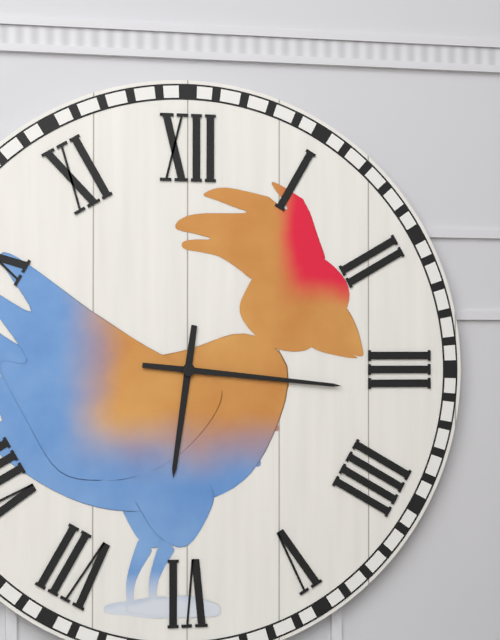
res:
6.16
